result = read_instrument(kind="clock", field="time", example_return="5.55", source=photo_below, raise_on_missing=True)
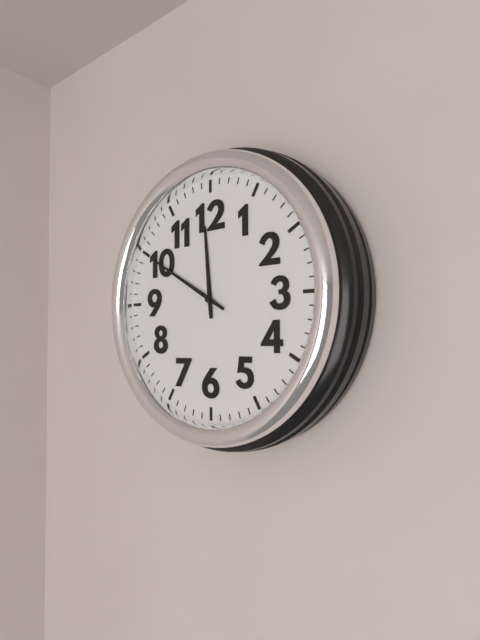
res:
11.50
